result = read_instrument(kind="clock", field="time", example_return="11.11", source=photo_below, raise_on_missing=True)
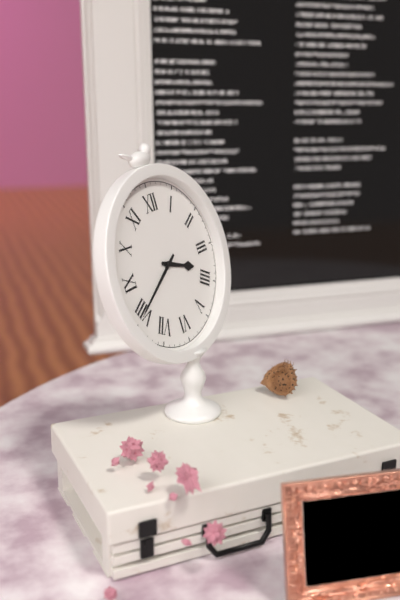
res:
3.40
